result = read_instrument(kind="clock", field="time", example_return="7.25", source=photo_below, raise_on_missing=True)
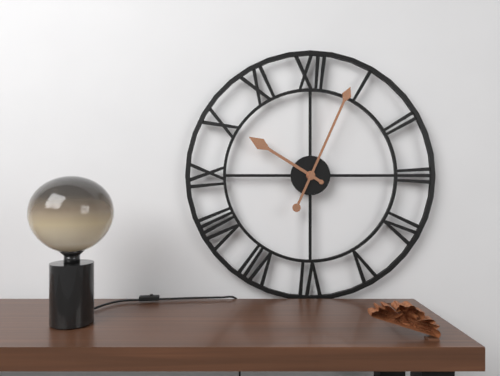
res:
10.04
